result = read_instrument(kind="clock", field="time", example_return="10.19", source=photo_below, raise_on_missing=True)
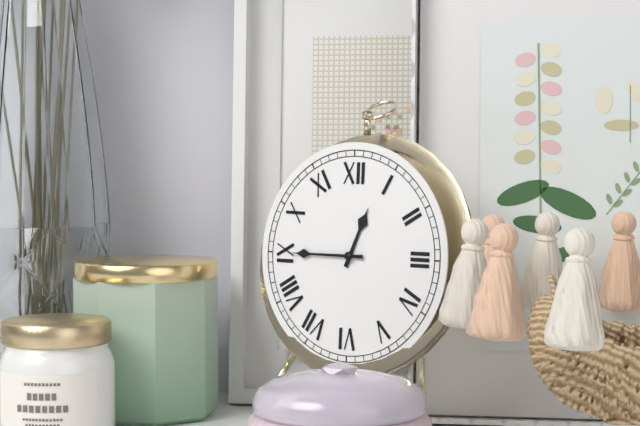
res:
12.45
